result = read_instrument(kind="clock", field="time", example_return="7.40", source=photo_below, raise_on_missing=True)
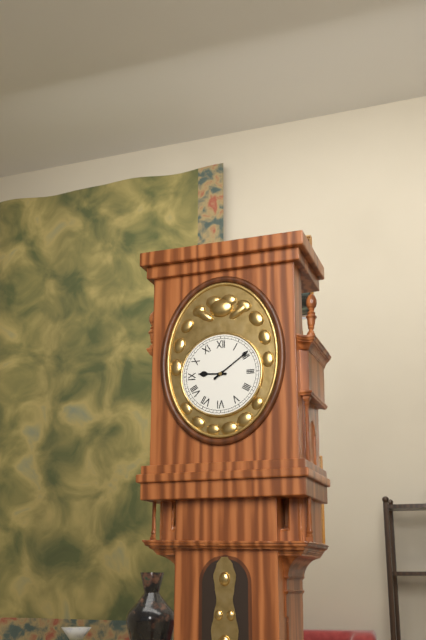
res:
9.09
